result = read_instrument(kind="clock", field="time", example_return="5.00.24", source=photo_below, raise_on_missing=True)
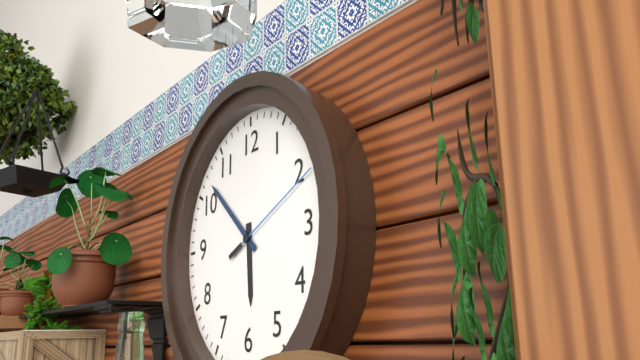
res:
5.52.11
